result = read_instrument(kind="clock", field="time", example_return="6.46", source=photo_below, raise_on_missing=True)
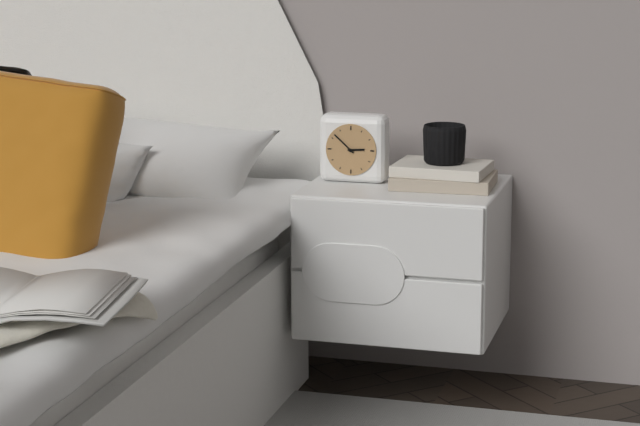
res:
2.52
